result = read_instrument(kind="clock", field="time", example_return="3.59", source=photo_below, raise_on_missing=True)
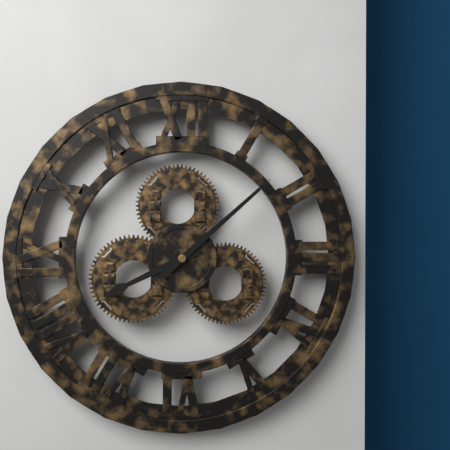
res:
8.08
